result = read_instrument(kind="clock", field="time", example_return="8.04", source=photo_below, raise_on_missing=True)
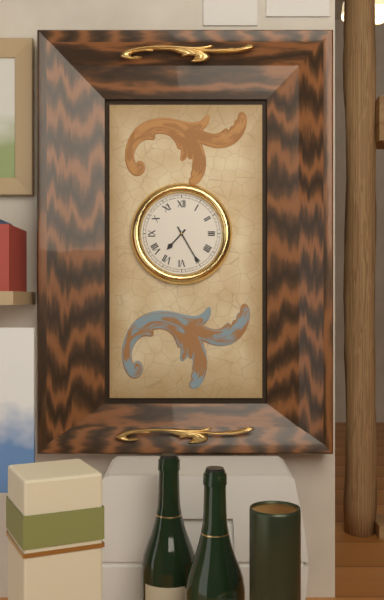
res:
7.25
